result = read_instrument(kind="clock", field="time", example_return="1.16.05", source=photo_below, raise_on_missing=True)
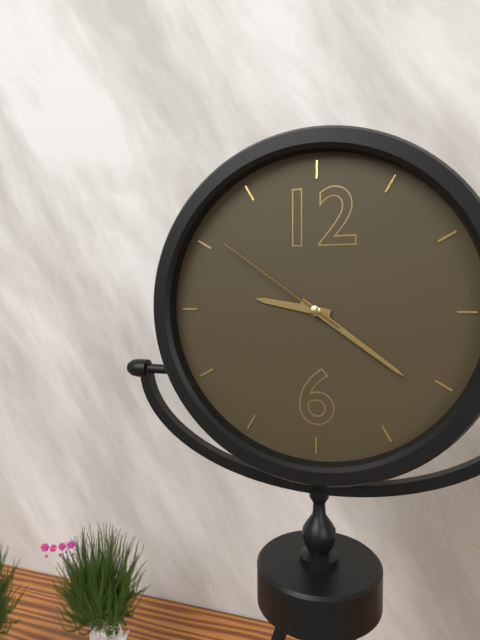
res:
9.21.51
